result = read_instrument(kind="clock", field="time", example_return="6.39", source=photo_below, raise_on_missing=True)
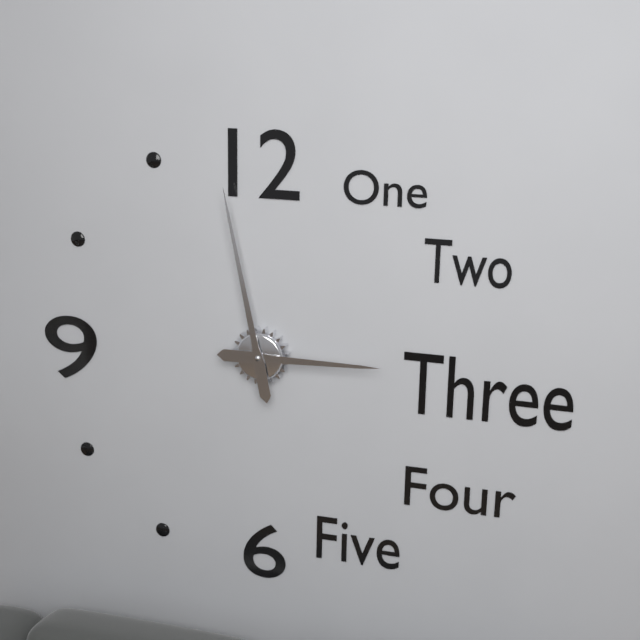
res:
2.58
